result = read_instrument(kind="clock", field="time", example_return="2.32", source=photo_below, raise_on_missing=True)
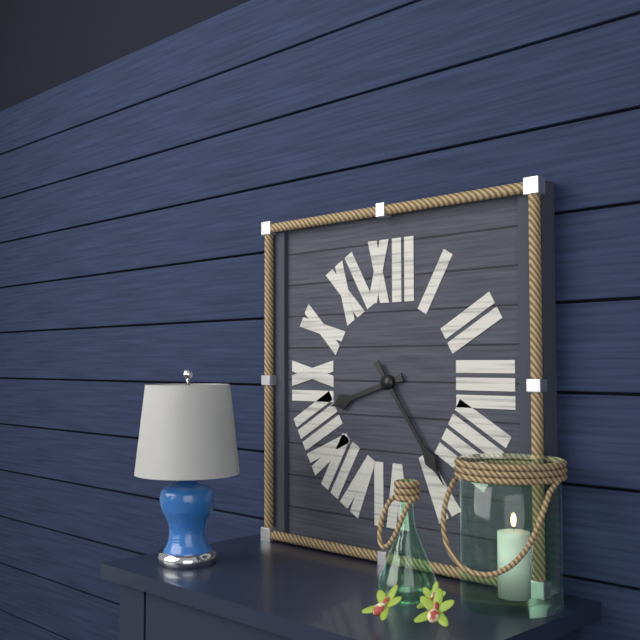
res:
8.24
